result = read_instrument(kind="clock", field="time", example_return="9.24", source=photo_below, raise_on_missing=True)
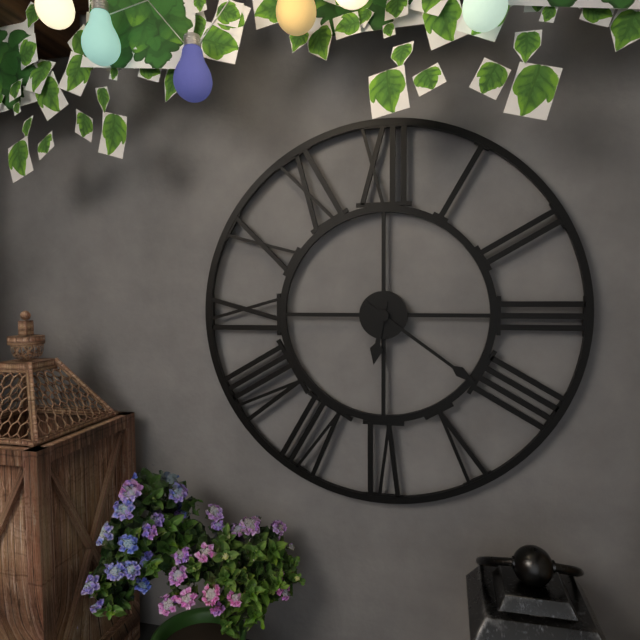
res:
6.21
